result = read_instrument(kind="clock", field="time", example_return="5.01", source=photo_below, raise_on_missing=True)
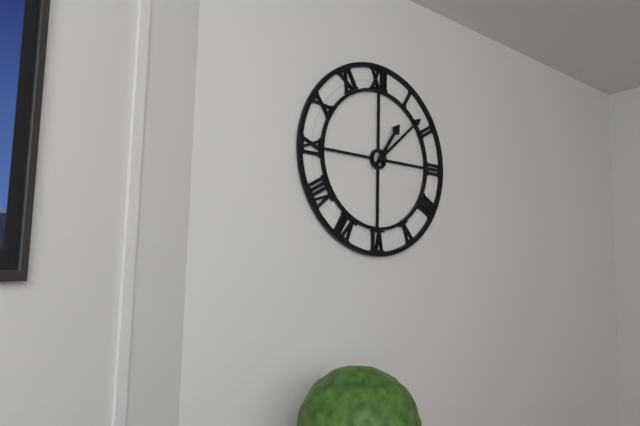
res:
1.08
